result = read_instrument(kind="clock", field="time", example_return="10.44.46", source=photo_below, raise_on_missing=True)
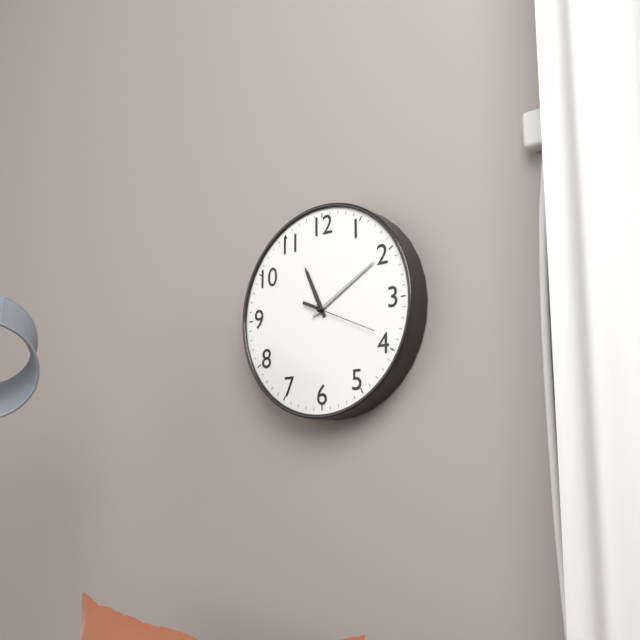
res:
11.10.19
